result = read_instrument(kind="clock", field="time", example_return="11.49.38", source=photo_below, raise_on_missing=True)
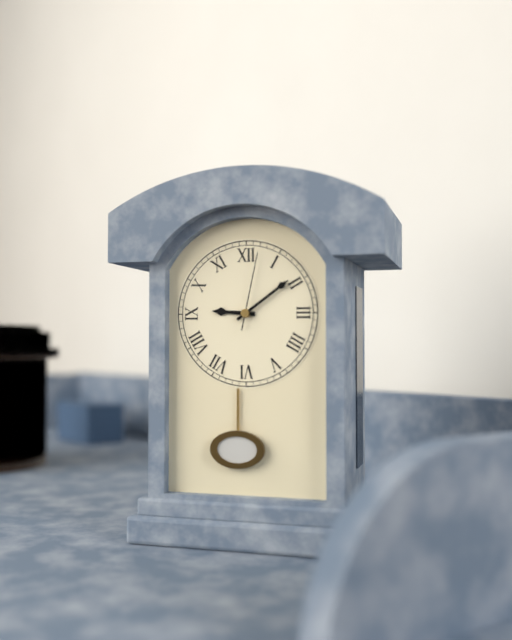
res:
9.09.02
